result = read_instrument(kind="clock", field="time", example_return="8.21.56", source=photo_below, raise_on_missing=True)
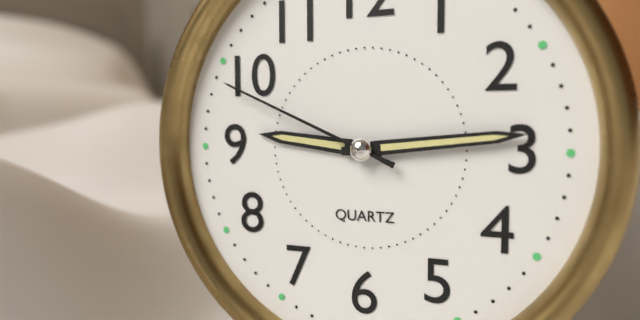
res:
9.14.49
